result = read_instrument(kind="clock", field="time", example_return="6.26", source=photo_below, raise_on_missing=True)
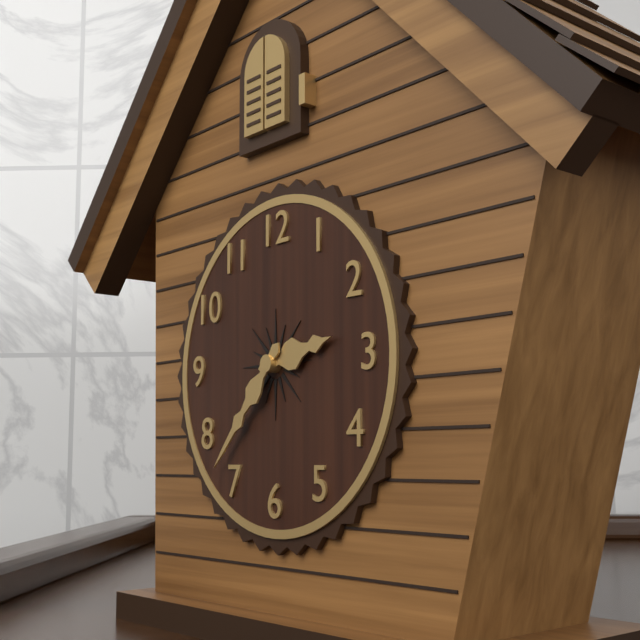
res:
2.37
